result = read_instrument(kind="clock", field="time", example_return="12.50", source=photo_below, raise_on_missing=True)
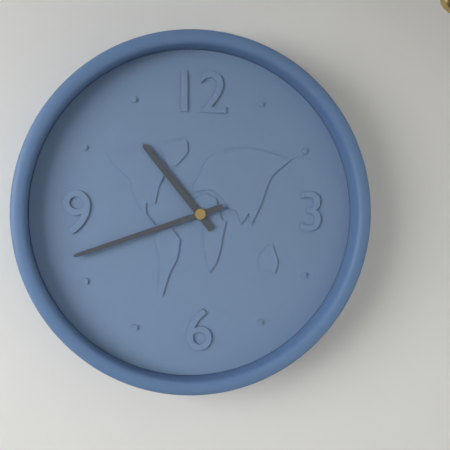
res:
10.42
